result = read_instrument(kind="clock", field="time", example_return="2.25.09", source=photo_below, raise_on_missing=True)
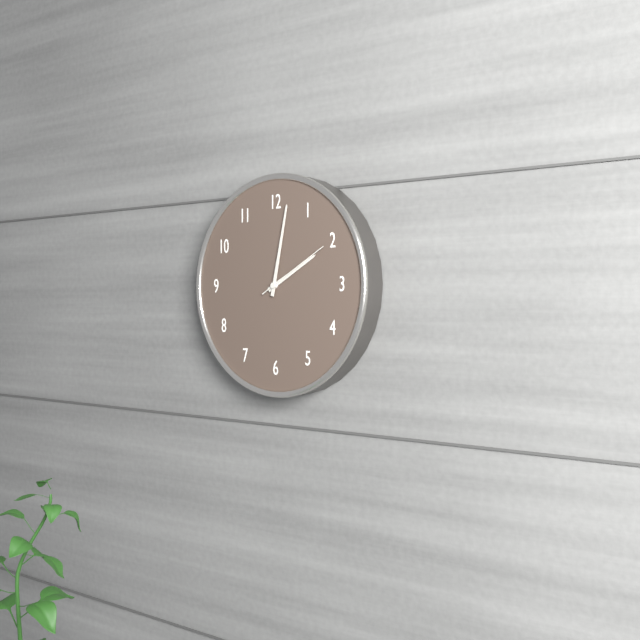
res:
2.02.10
